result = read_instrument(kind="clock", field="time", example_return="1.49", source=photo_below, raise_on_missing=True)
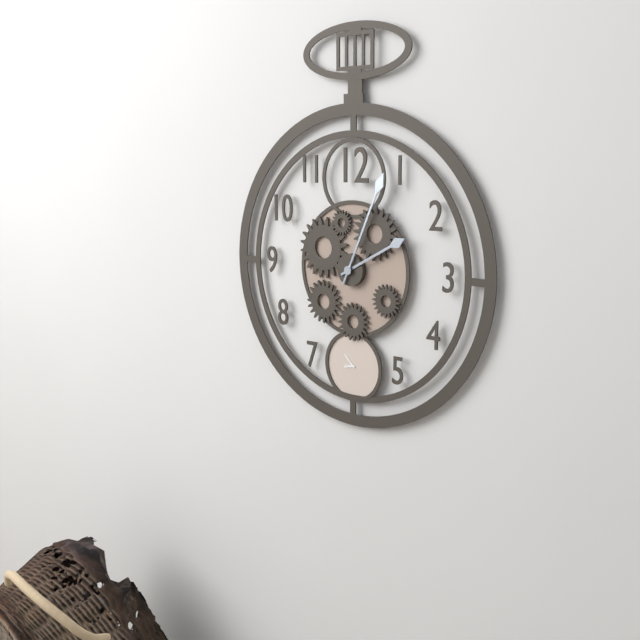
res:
2.04
